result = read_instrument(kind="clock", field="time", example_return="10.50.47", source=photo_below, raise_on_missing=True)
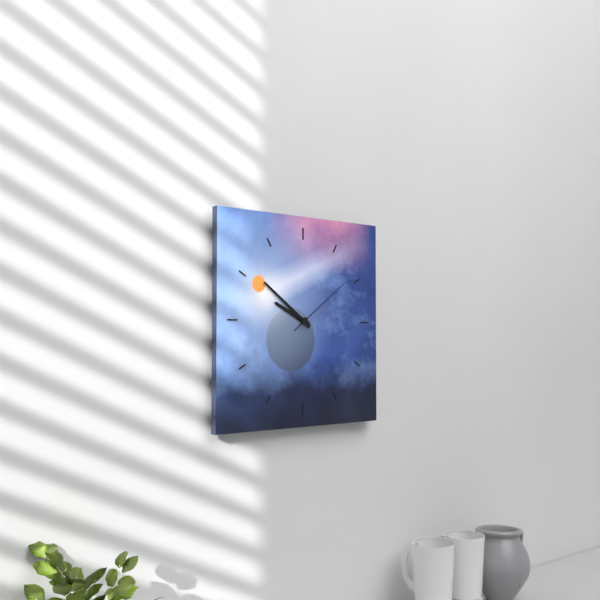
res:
9.51.09
